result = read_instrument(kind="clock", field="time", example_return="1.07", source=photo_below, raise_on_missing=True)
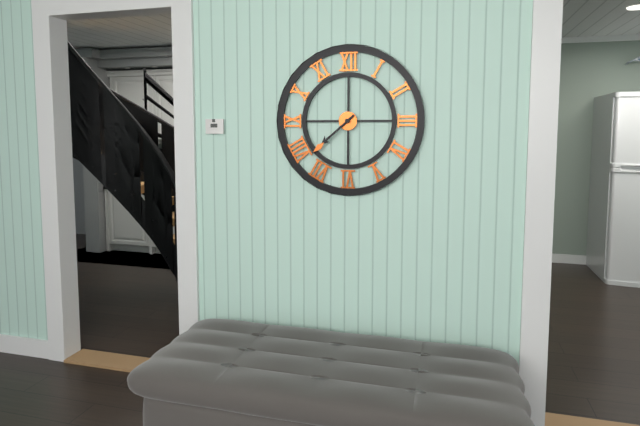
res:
7.38
